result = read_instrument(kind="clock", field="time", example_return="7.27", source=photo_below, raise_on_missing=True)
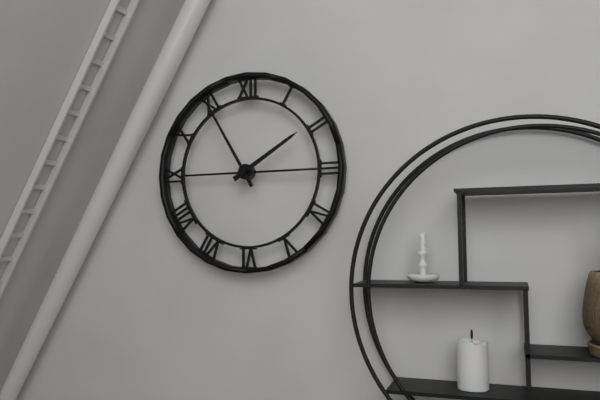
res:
1.55
